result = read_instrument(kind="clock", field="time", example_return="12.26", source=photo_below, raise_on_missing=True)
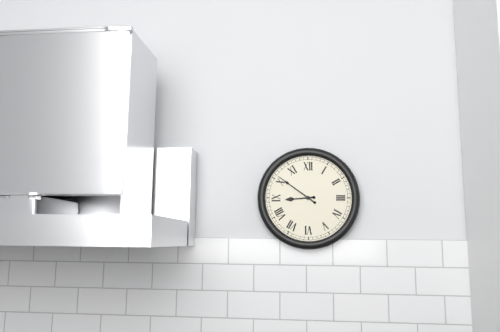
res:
8.51
